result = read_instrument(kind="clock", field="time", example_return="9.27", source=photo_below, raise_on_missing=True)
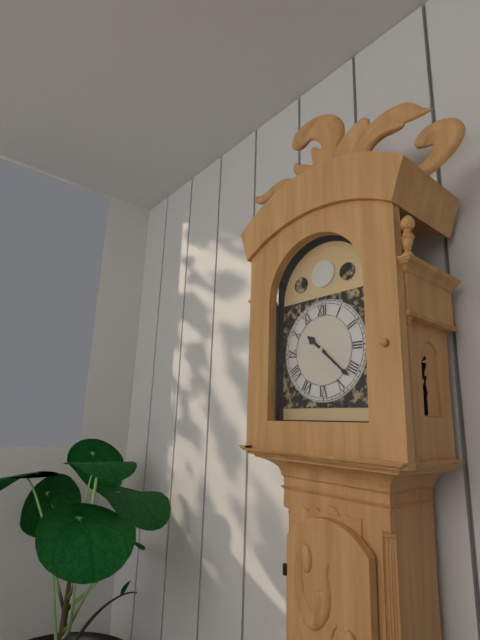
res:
10.22
